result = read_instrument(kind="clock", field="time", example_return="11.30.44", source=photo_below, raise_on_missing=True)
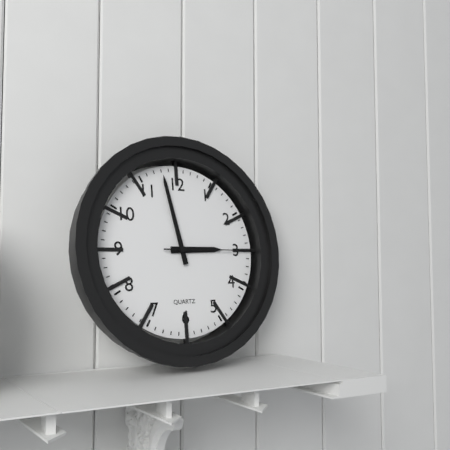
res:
2.58.15
